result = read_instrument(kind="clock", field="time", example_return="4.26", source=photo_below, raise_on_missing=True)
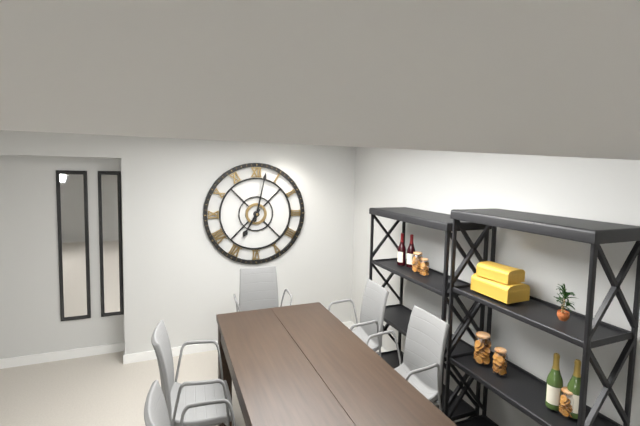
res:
7.02
